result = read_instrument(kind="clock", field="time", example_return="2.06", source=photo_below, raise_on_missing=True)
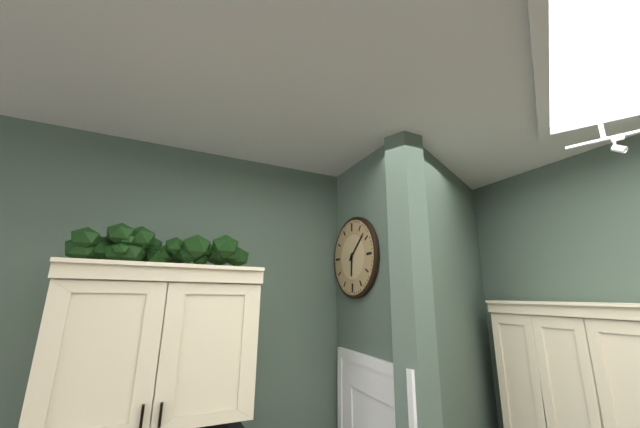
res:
6.08
